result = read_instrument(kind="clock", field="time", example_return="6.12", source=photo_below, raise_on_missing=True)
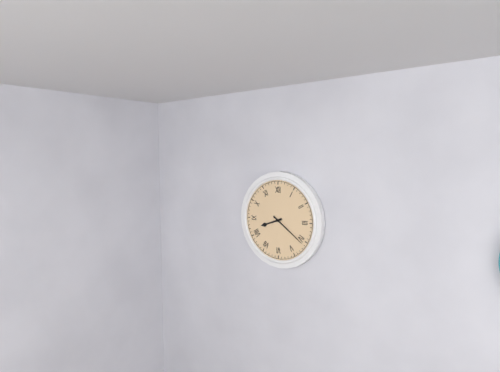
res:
8.21
